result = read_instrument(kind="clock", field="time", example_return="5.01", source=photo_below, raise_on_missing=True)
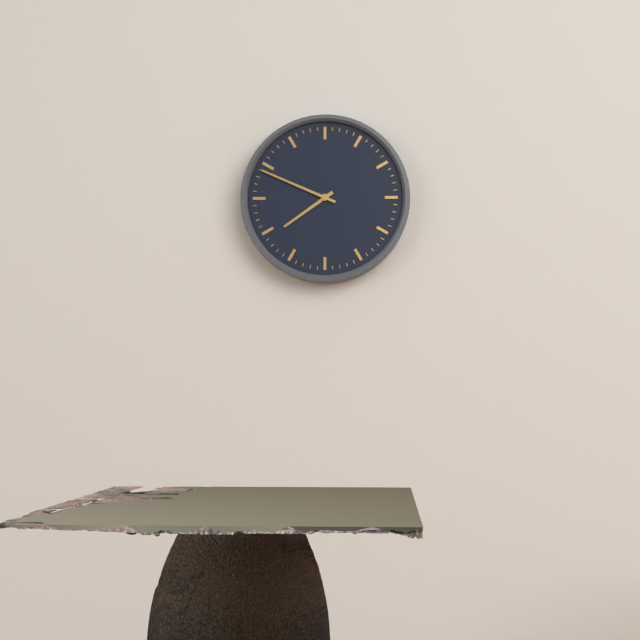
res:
7.49
